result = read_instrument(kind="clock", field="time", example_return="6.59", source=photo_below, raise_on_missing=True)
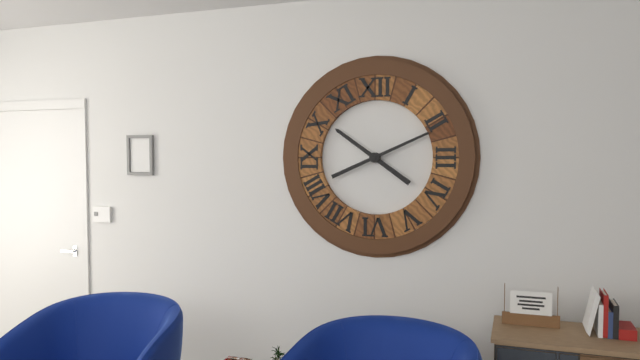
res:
10.11
